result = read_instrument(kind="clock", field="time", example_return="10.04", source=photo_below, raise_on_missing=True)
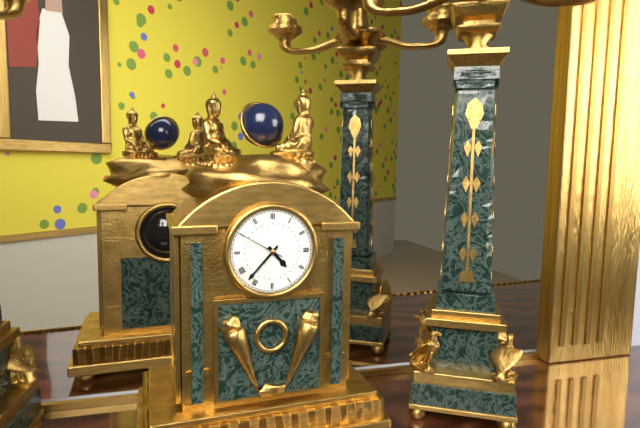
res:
4.37
